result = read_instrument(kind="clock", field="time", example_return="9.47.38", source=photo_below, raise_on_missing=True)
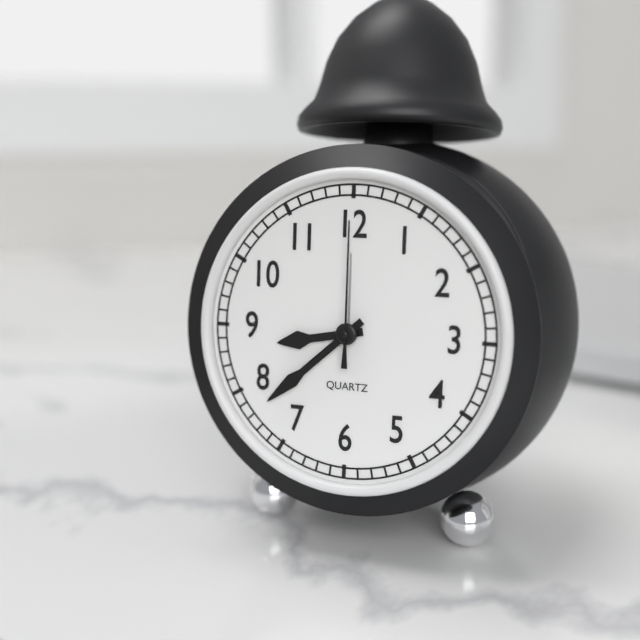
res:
8.38.00
